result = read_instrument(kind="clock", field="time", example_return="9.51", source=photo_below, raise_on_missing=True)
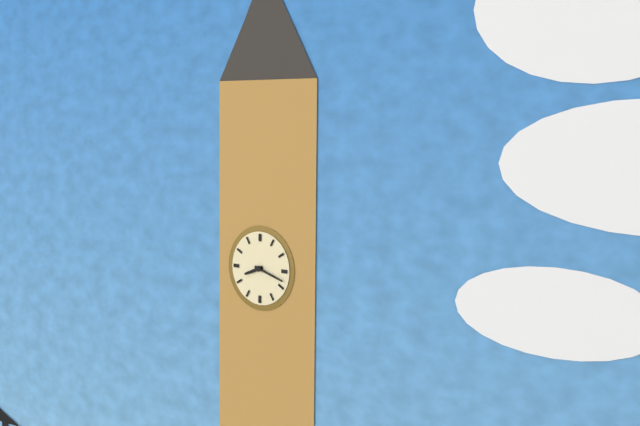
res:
8.18
